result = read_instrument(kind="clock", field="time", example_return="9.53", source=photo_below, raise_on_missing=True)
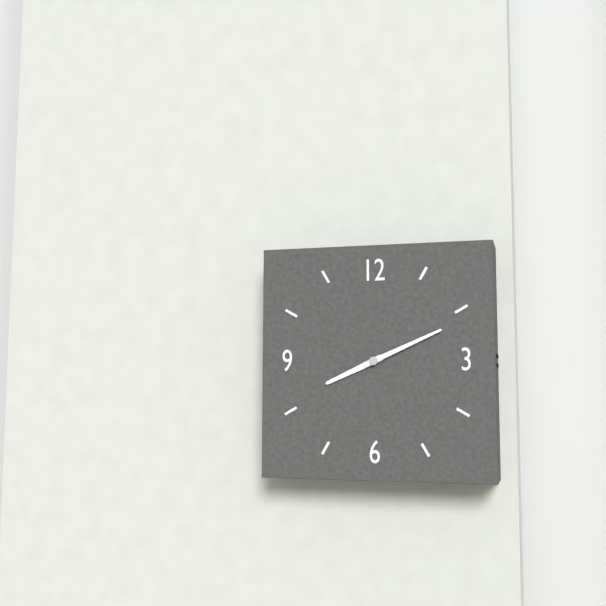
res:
8.11
